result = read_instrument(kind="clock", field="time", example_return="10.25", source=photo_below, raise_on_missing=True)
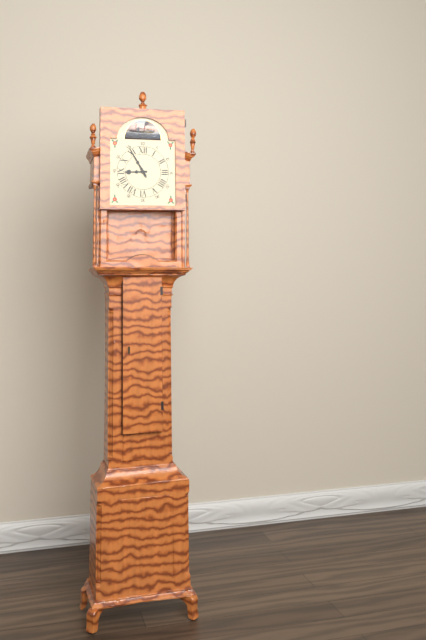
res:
8.55
